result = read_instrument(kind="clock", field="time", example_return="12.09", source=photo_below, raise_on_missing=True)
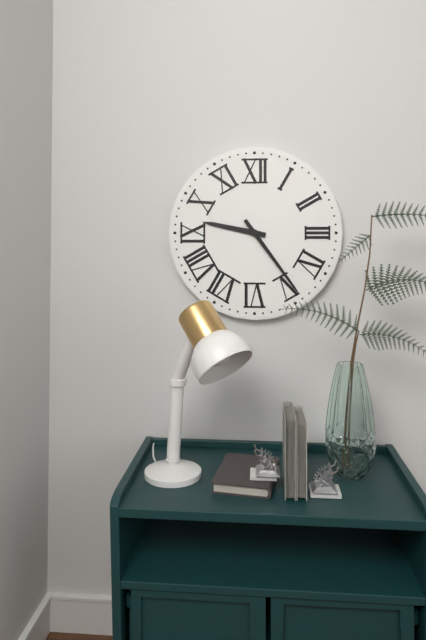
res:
9.24
